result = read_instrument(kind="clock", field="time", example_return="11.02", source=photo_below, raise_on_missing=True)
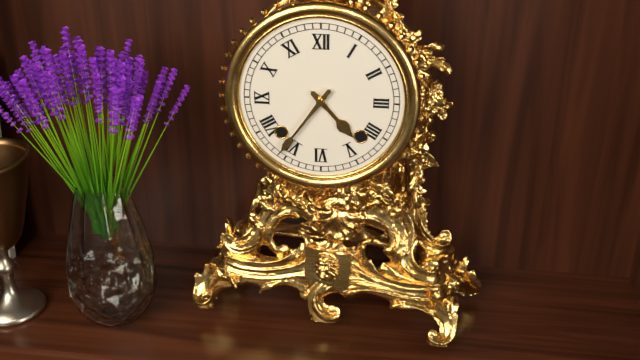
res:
4.36
